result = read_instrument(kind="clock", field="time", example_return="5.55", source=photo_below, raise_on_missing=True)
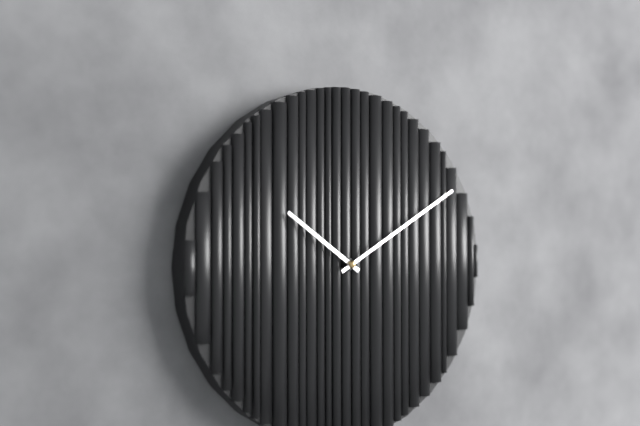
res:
10.10
